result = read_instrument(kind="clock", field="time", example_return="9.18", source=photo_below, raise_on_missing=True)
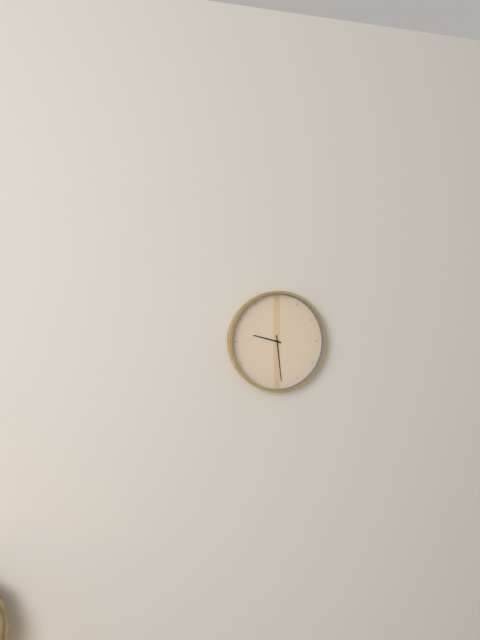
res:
9.29
